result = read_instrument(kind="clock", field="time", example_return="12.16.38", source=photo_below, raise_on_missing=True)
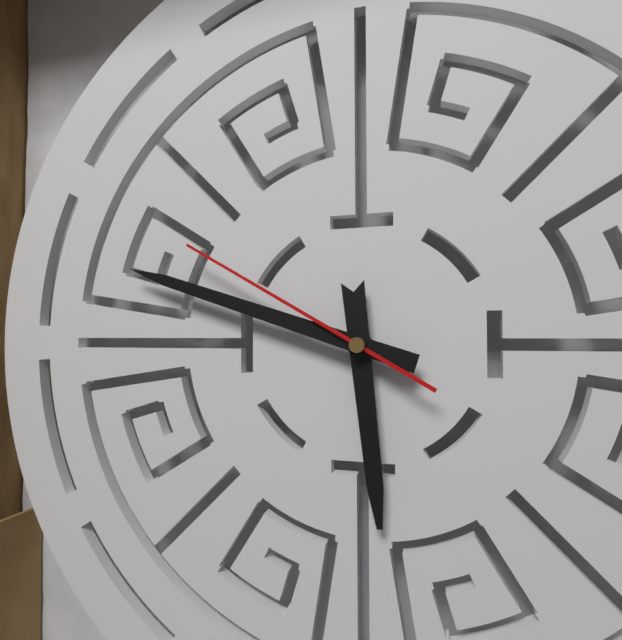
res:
5.48.50
